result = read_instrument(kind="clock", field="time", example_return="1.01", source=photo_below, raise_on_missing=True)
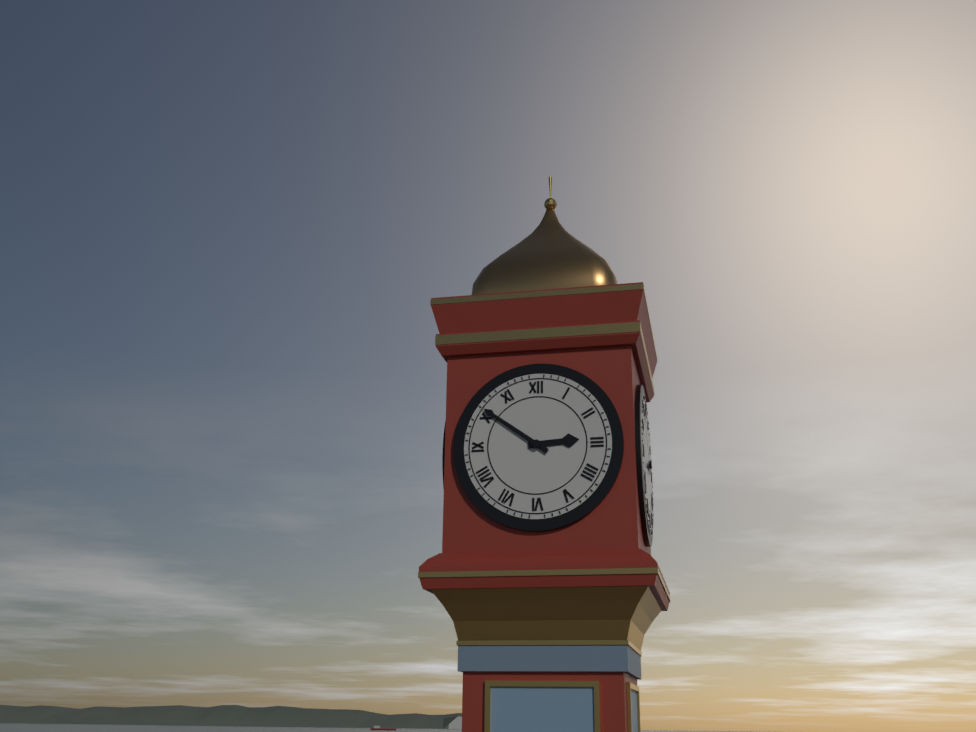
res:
2.51
